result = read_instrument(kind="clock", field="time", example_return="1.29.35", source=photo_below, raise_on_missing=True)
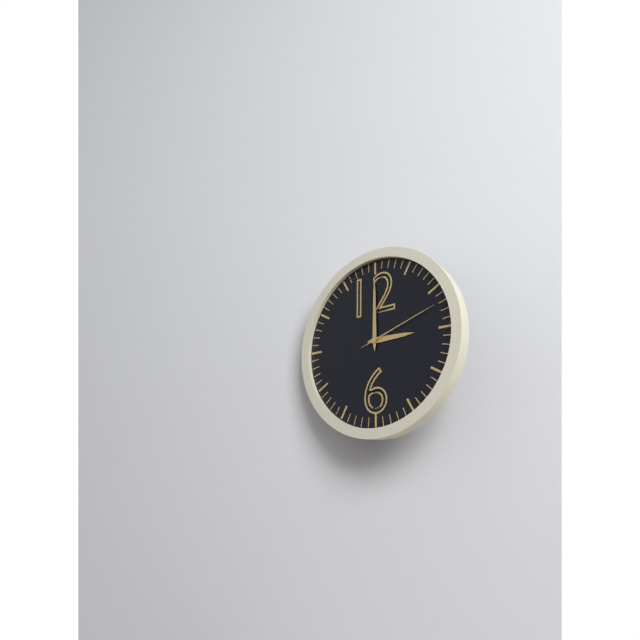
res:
3.00.12
